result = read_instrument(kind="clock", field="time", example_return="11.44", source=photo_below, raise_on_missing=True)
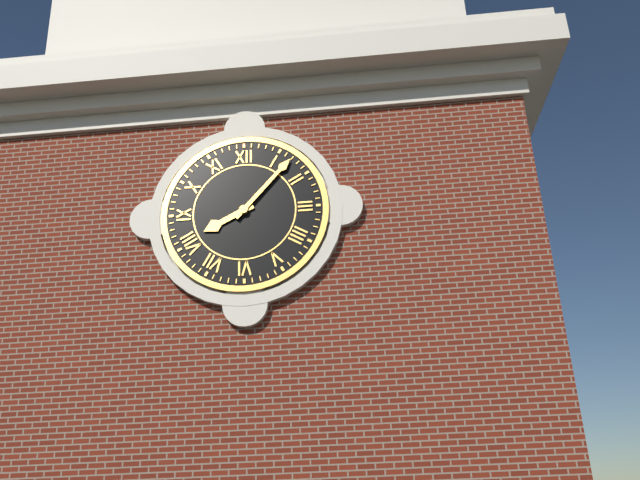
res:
8.07
